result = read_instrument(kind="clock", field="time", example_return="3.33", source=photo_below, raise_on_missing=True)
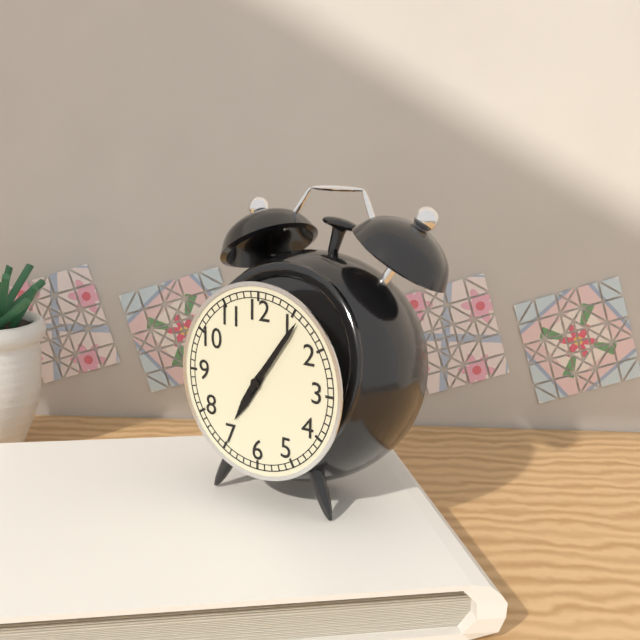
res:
7.06
